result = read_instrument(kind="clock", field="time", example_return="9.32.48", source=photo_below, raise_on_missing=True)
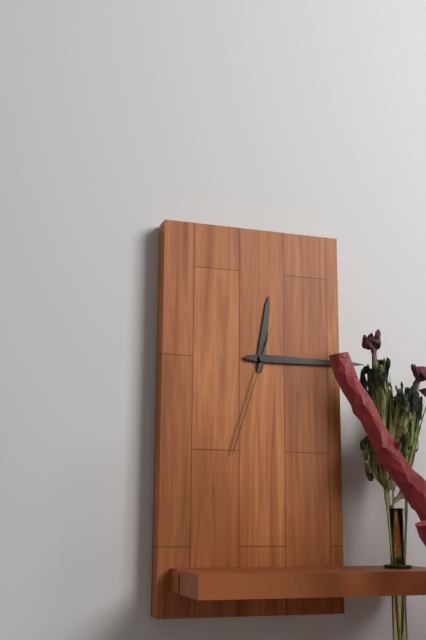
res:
12.15.33
